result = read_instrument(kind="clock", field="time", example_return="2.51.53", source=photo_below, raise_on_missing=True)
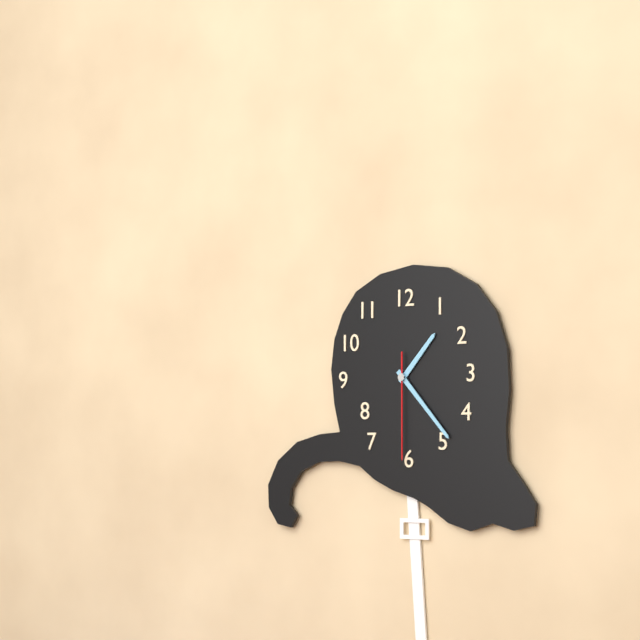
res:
1.23.30
